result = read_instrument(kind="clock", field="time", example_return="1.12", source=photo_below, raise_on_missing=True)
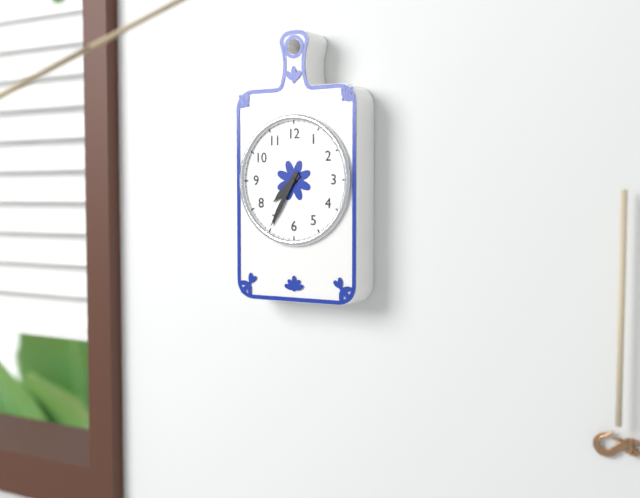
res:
7.35
